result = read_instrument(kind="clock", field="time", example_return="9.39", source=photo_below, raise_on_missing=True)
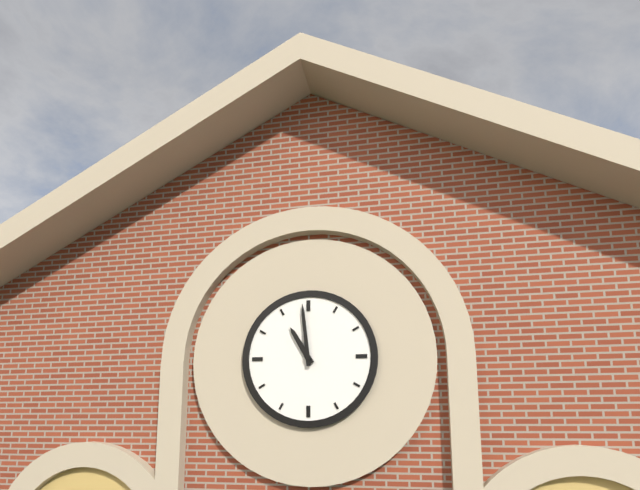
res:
10.59
